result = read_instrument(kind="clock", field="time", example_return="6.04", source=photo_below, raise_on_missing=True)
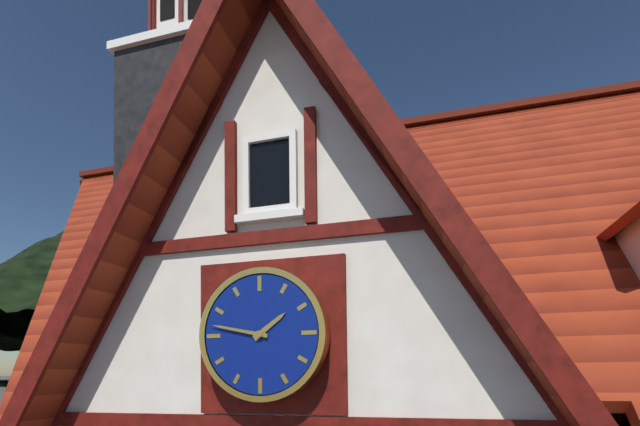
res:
1.47
